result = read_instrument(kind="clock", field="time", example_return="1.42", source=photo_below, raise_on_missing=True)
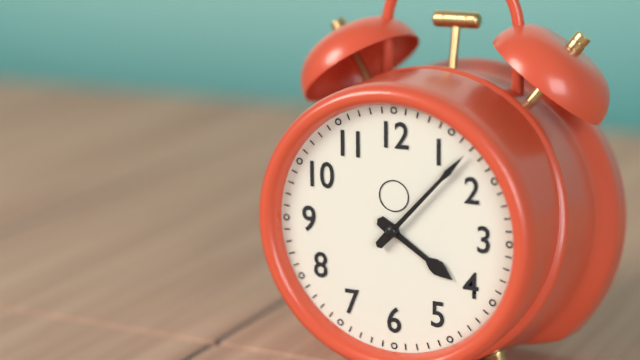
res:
4.07
